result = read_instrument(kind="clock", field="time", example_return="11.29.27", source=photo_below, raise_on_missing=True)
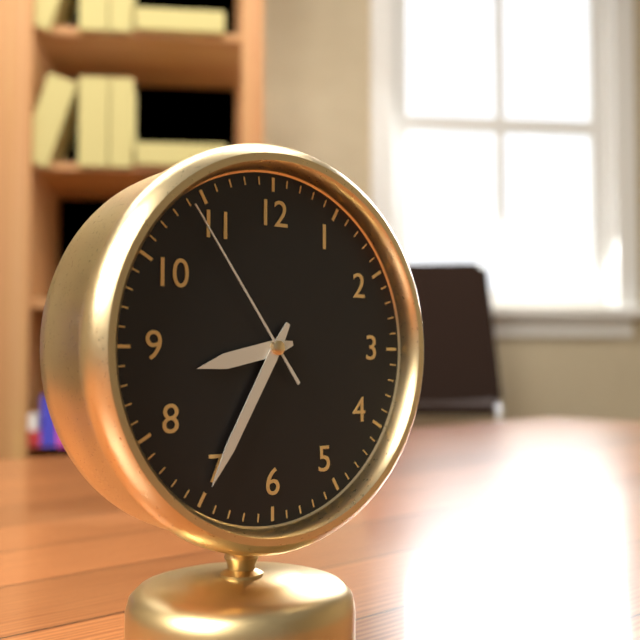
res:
8.35.54
